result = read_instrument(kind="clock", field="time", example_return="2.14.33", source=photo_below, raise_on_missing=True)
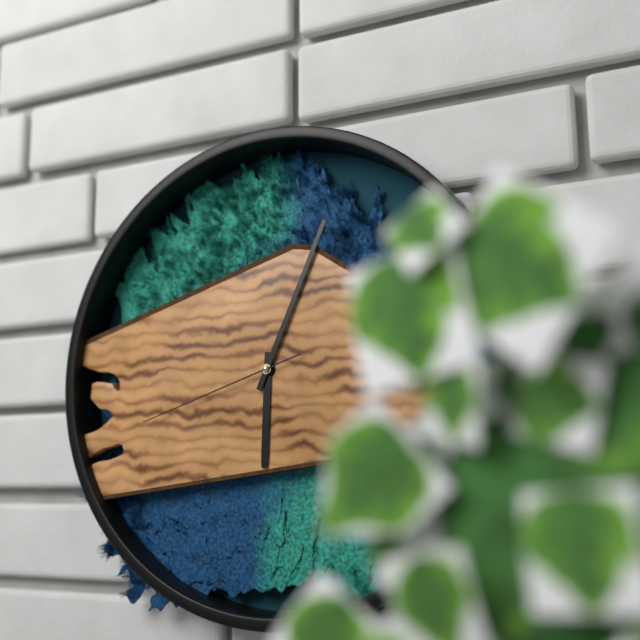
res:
6.04.42
